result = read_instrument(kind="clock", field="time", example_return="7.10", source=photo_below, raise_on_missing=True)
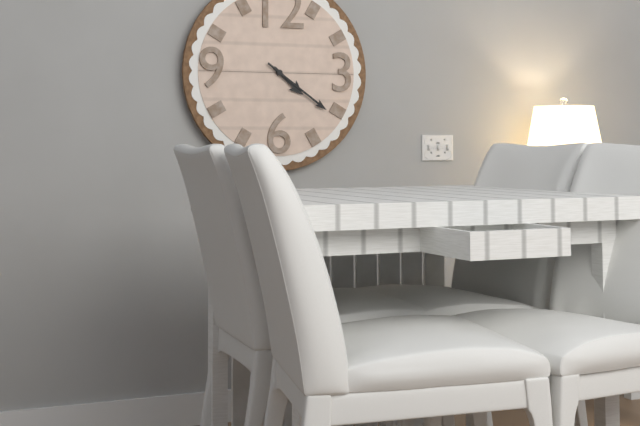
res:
4.21
